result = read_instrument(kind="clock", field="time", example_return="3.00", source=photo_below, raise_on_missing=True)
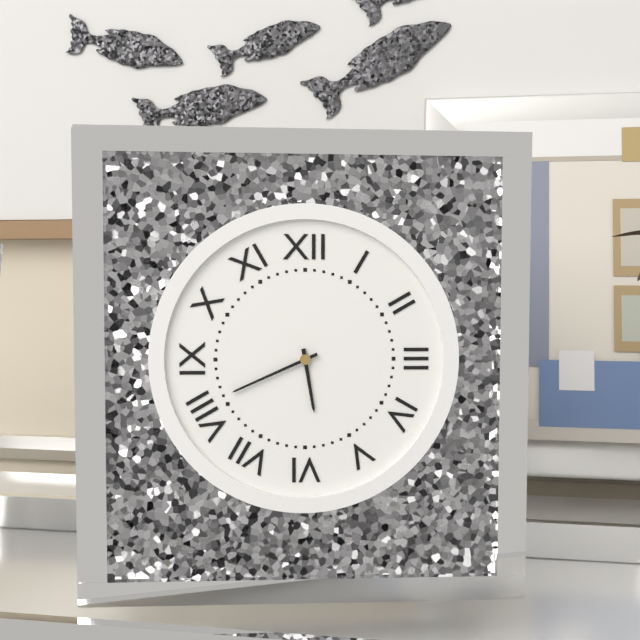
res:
5.41
